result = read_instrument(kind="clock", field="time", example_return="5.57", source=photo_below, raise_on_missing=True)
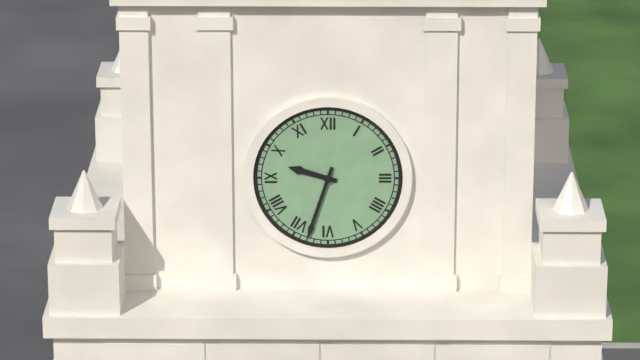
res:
9.33
